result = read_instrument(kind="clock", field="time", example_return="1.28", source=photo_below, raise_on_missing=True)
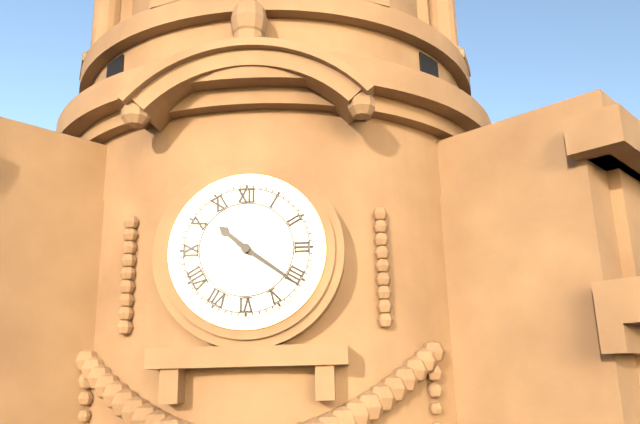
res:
10.21
